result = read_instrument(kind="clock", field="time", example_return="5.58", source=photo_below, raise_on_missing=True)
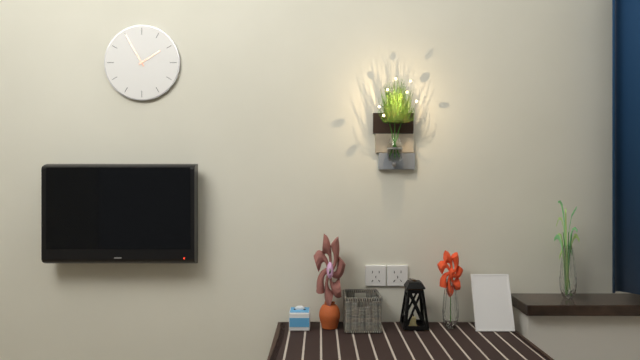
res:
1.55
